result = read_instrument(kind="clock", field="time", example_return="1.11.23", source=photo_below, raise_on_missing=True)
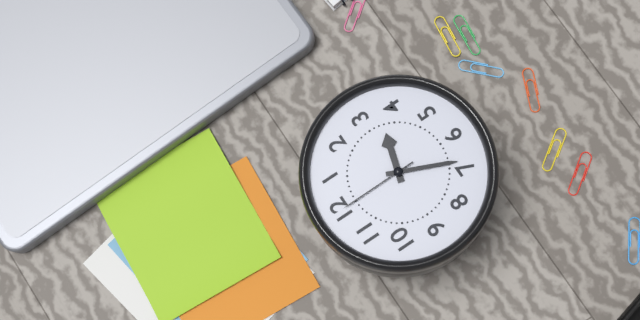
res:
3.34.00
